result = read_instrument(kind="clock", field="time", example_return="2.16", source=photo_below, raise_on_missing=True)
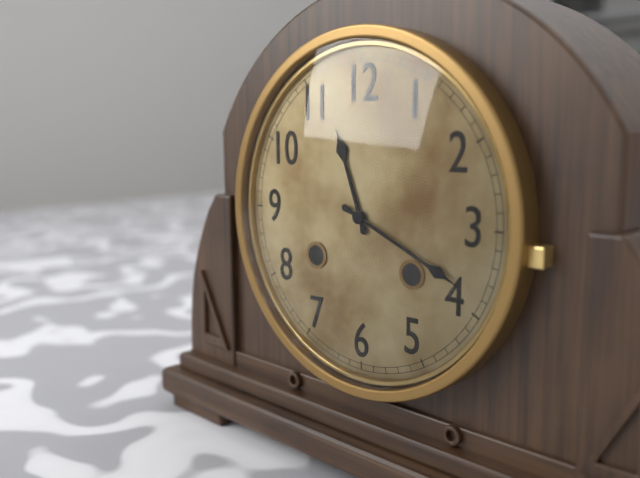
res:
11.19
